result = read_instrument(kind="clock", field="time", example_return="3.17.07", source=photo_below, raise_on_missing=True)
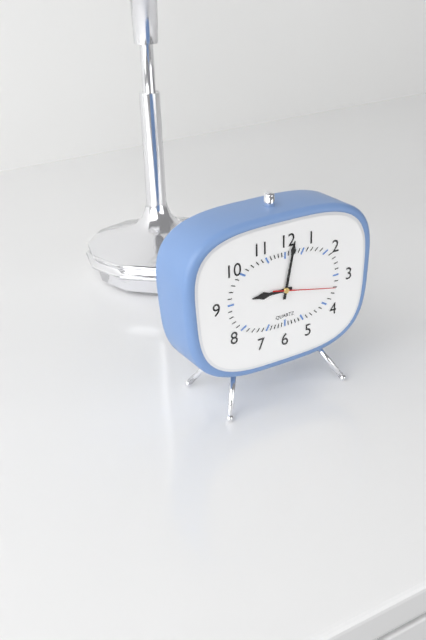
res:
9.02.17
